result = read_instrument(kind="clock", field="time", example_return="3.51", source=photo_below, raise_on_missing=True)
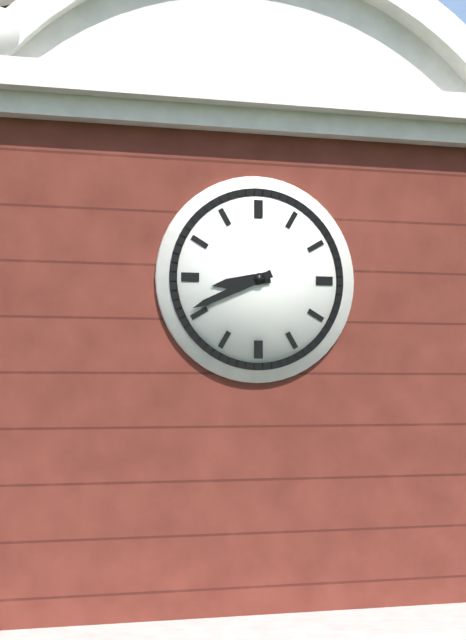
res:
8.41
